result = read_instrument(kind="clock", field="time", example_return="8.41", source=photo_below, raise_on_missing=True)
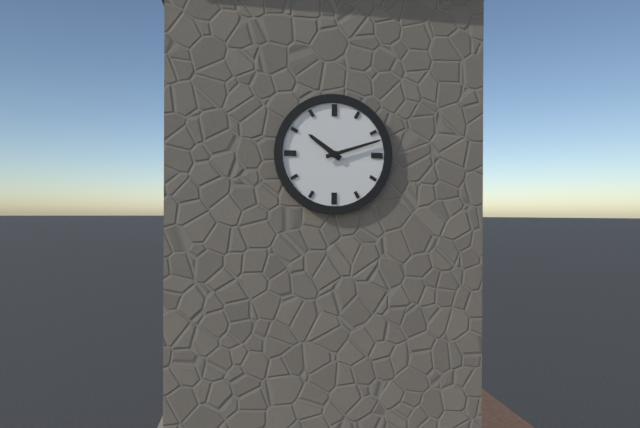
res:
10.12
